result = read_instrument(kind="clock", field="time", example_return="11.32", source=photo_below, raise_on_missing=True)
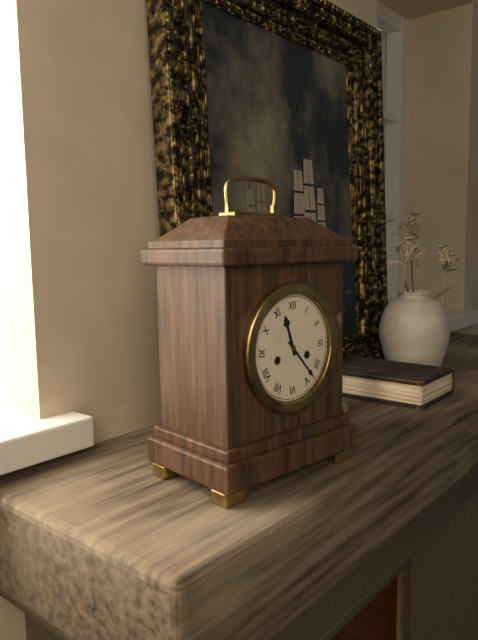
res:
11.23
